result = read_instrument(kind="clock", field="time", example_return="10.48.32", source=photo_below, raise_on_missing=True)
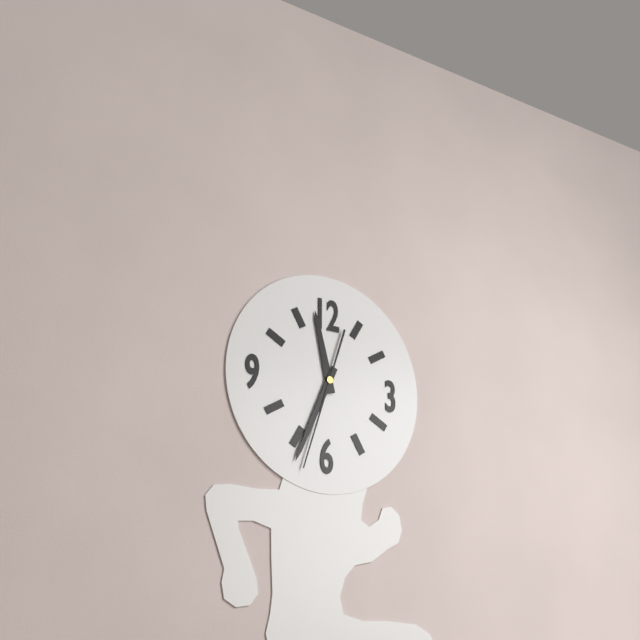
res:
11.34.33
